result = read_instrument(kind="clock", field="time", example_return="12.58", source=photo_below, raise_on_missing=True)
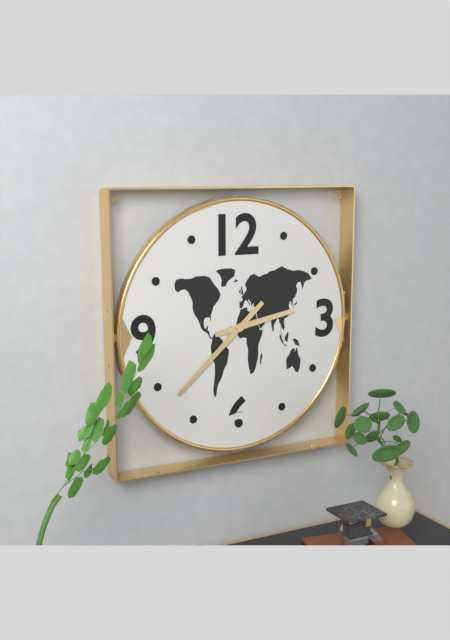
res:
2.38
